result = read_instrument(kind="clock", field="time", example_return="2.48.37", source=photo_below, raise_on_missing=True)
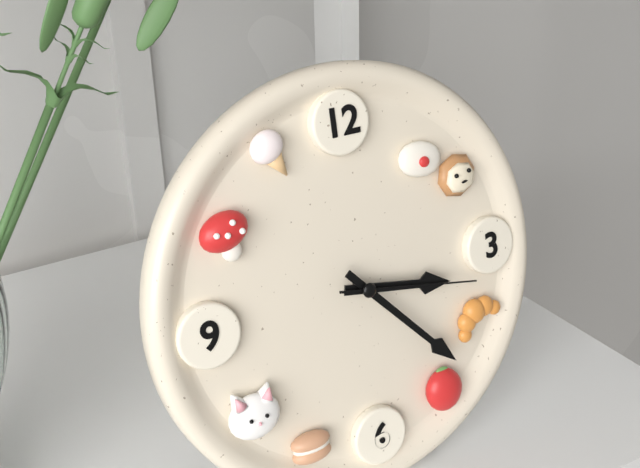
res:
3.23.17
